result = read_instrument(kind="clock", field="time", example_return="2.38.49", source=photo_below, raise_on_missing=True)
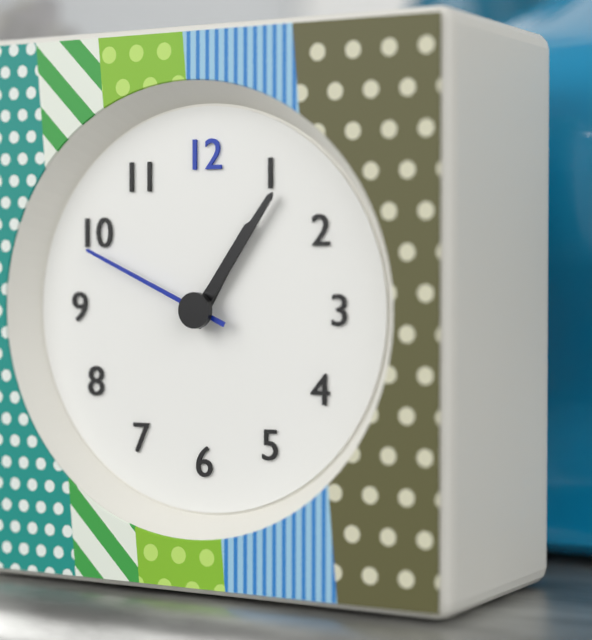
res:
1.06.49
